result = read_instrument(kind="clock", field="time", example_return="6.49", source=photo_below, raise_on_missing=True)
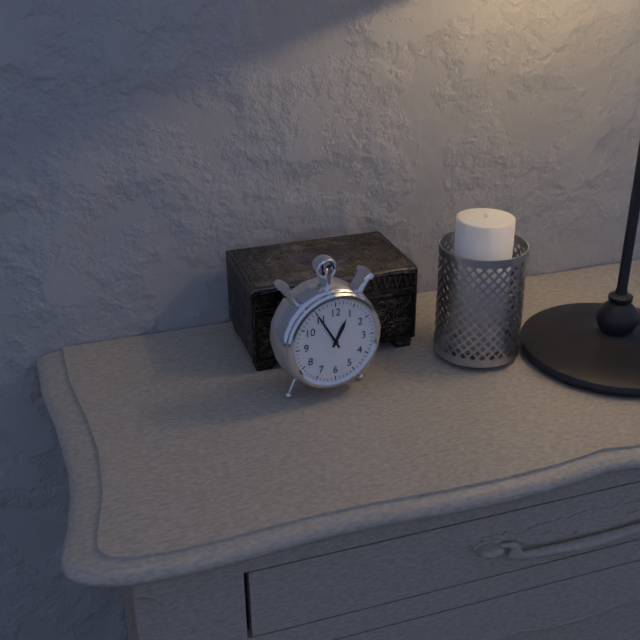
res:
12.55
